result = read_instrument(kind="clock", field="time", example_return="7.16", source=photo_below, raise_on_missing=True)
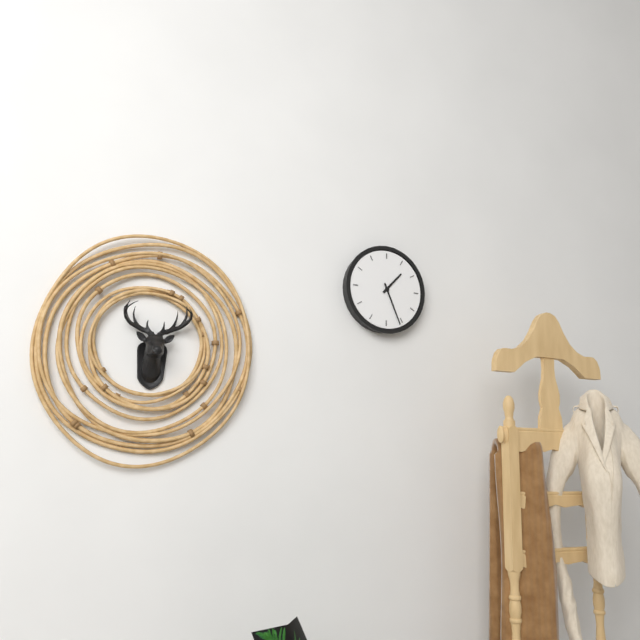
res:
1.26
